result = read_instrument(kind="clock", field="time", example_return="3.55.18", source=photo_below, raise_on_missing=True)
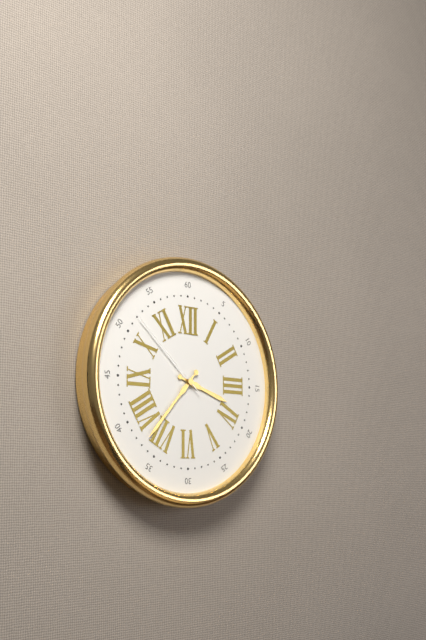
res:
3.37.52
